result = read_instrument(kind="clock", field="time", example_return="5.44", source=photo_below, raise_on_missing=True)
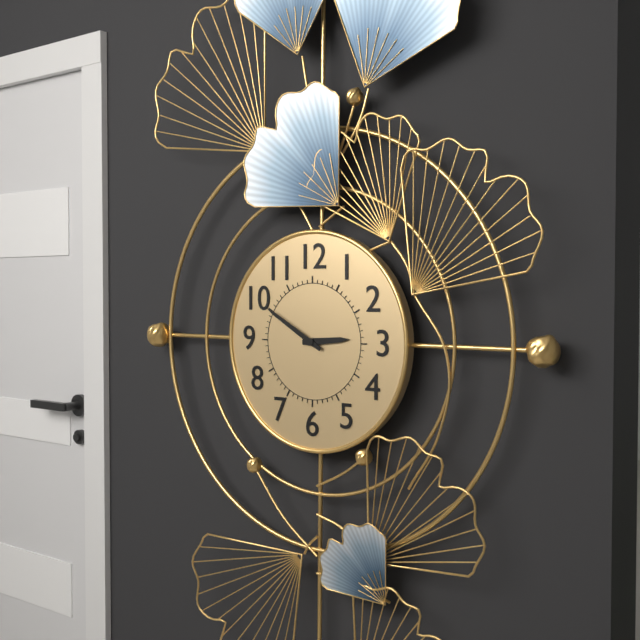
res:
2.50
